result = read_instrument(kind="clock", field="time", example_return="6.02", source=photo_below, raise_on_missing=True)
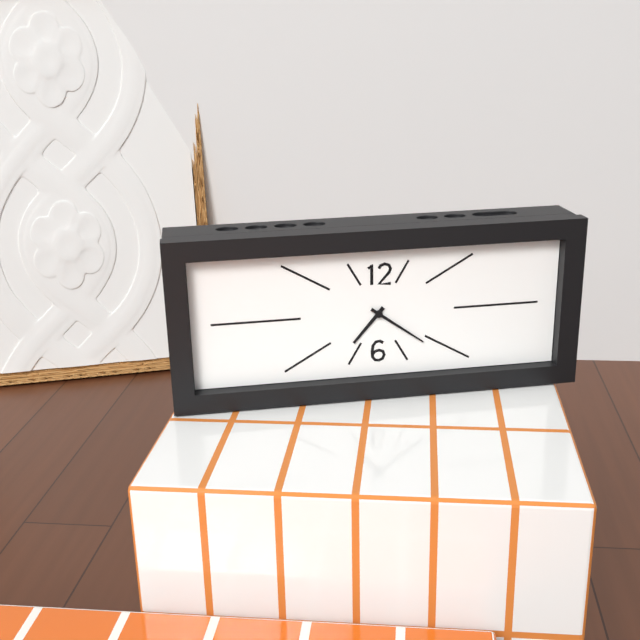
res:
7.21
